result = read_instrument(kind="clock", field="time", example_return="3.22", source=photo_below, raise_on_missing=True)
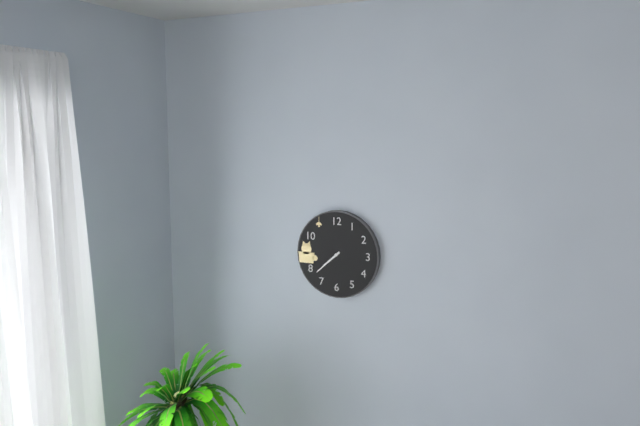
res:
7.38
